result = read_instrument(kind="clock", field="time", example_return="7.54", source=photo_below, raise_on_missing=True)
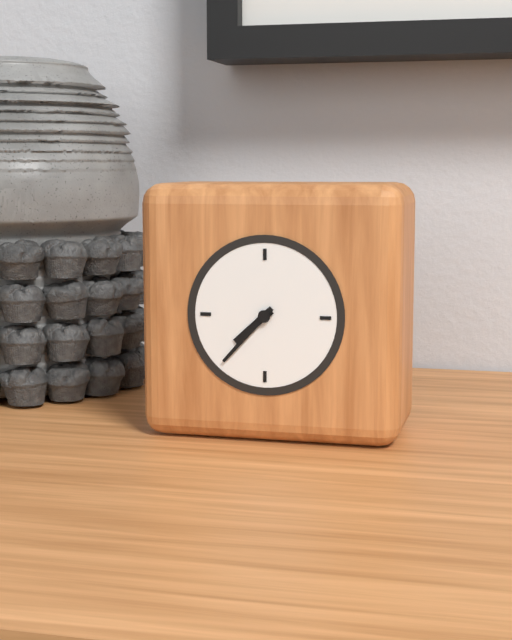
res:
7.37
